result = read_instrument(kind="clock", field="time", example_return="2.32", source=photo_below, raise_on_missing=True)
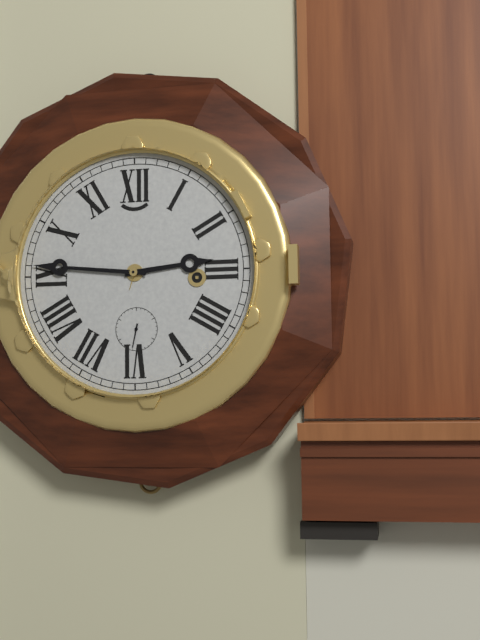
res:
2.46
